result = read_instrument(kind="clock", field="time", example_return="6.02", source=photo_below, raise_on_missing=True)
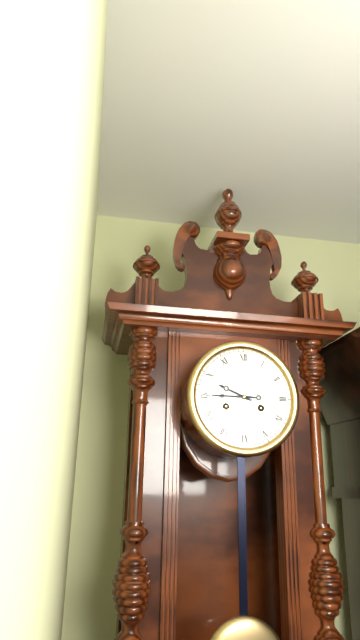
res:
9.45
